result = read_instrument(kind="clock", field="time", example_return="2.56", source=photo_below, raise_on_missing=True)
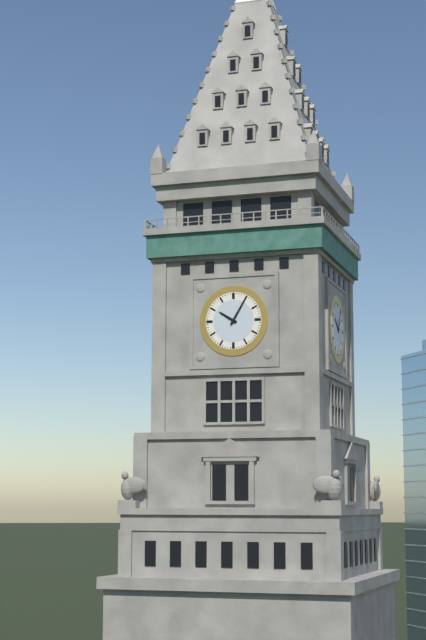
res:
10.05
